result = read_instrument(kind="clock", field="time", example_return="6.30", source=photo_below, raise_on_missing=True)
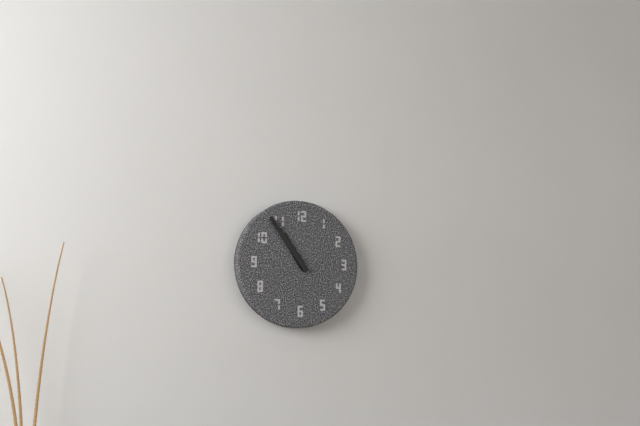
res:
10.54
